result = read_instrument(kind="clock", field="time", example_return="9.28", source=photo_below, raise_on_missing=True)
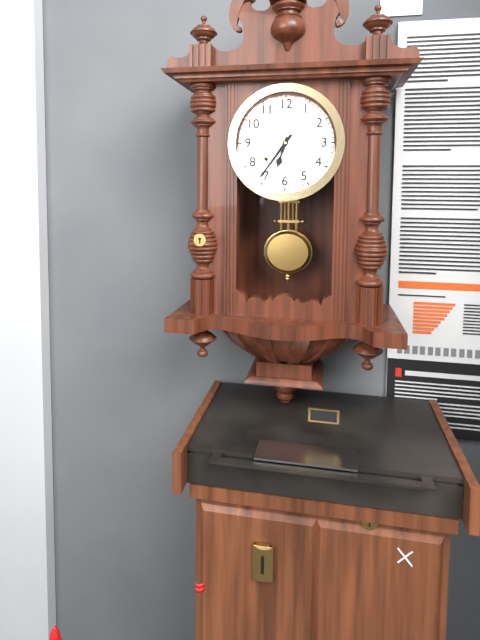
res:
6.36
